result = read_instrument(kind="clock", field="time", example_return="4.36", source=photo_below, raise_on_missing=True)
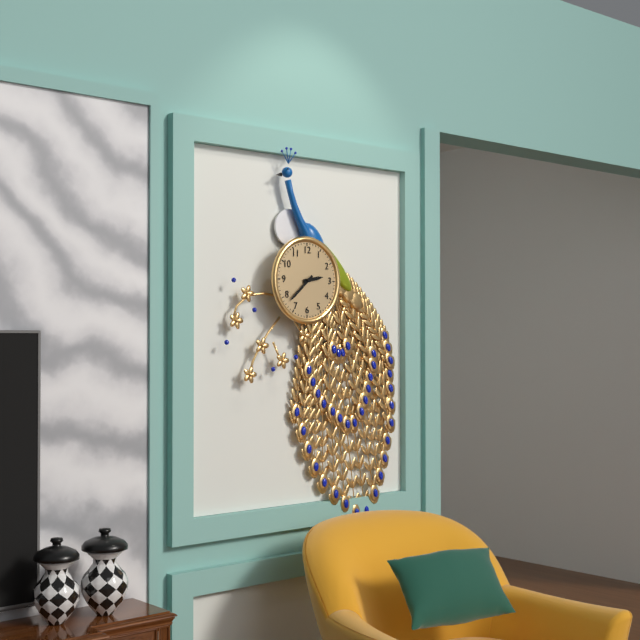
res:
2.38
